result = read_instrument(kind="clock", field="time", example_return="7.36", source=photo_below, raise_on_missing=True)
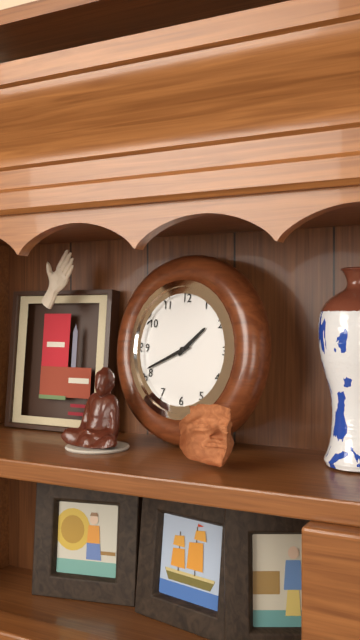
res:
1.41
